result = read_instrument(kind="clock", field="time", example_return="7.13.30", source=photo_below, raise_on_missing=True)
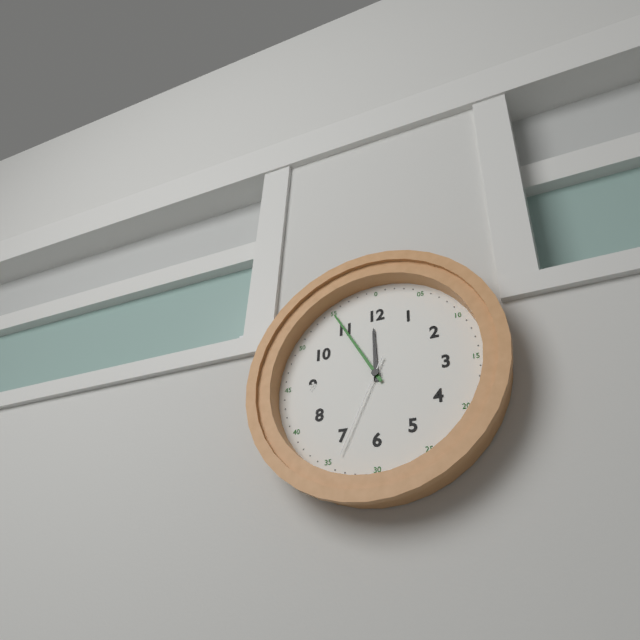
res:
11.55.34
